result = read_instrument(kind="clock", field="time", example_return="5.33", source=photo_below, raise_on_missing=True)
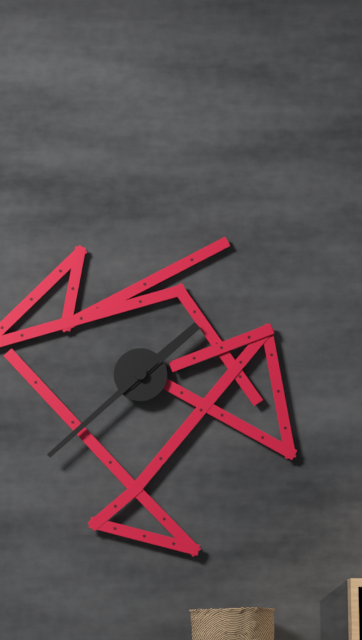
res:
1.38
